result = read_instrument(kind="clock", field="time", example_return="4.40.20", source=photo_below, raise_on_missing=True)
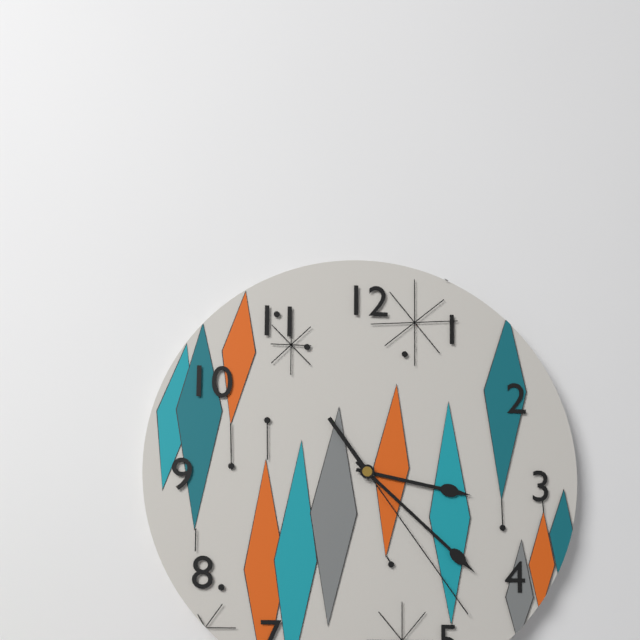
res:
3.22.24
